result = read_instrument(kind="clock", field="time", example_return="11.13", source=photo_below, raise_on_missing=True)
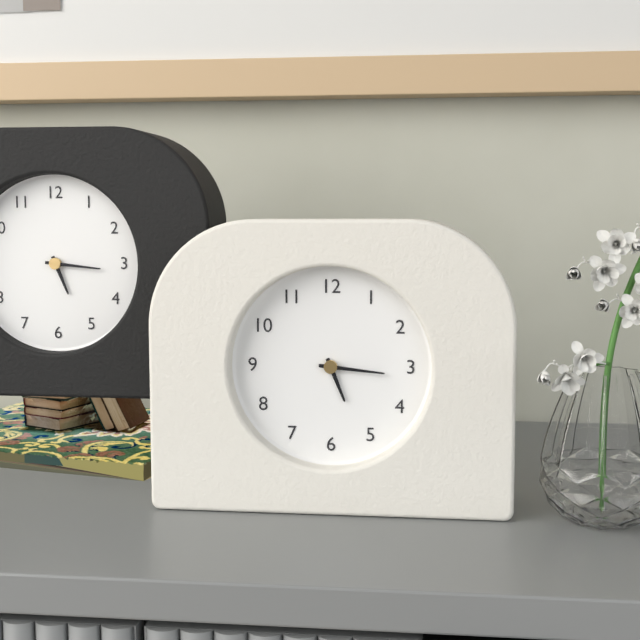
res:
5.16
